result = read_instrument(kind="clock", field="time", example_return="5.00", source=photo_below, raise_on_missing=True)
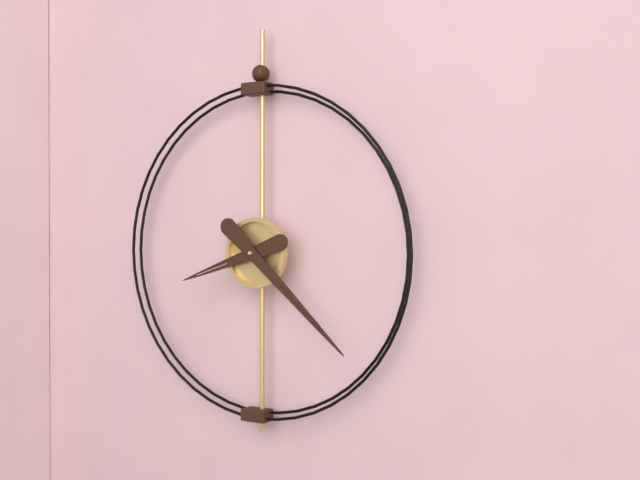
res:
8.22
